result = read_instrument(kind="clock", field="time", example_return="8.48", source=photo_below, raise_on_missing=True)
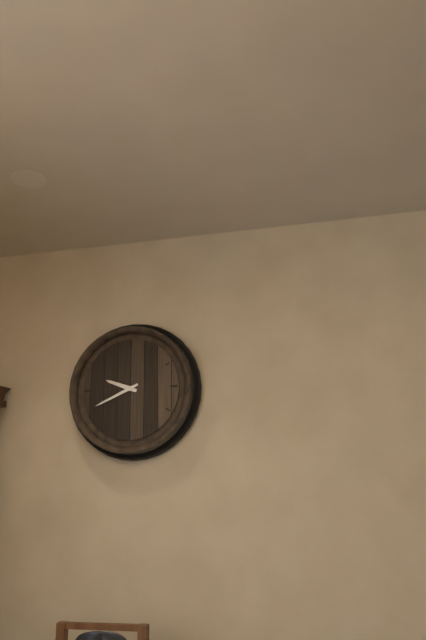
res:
9.41
